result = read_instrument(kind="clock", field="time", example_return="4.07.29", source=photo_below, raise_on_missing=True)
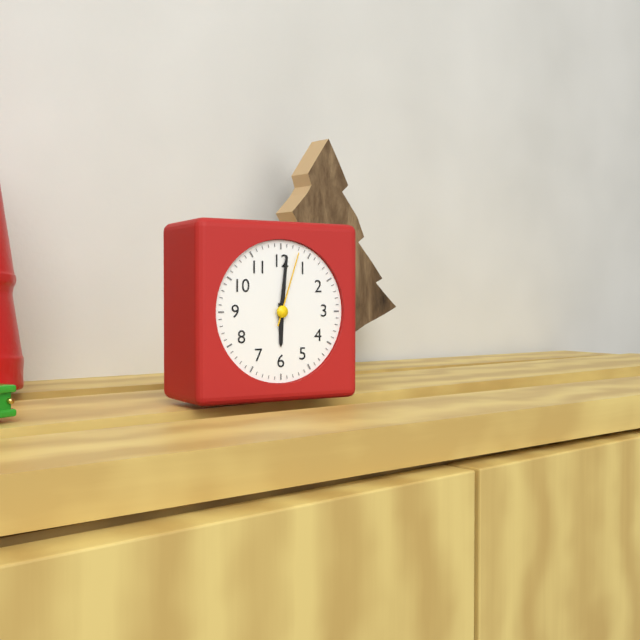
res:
6.01.03
